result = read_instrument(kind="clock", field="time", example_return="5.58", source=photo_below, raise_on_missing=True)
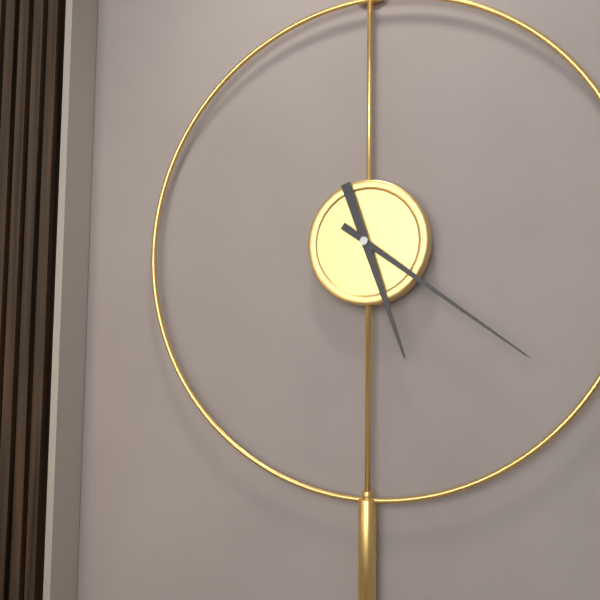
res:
5.21
